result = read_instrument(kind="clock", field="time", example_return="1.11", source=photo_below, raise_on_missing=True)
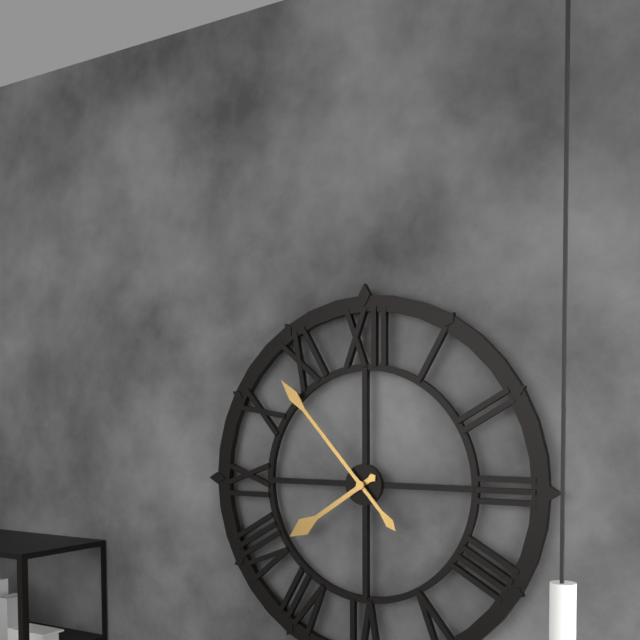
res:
7.53
